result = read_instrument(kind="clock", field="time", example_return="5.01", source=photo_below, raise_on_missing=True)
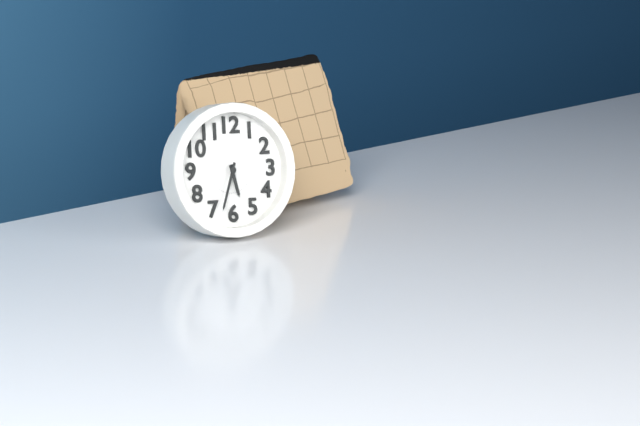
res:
5.33
